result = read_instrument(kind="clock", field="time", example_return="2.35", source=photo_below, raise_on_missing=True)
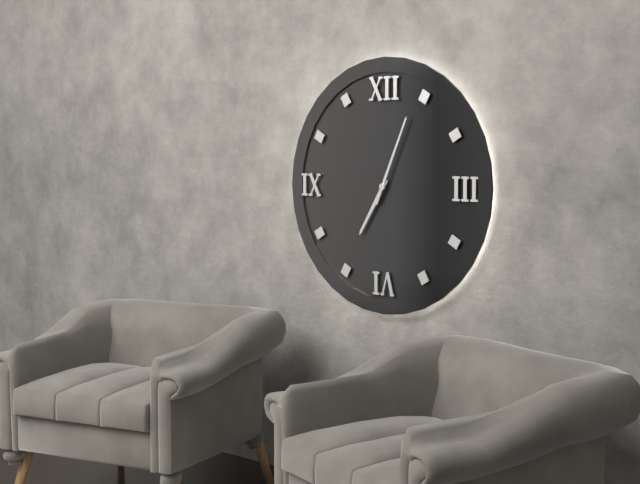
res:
7.04
